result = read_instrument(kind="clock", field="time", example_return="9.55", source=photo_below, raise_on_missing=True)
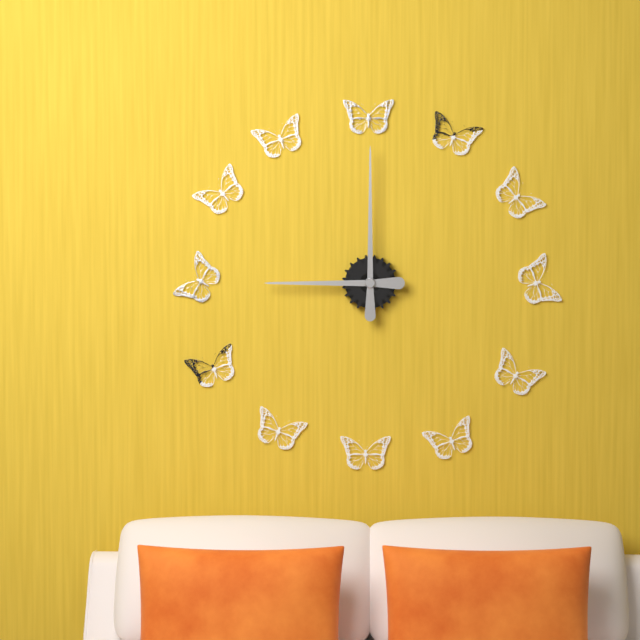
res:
9.00
